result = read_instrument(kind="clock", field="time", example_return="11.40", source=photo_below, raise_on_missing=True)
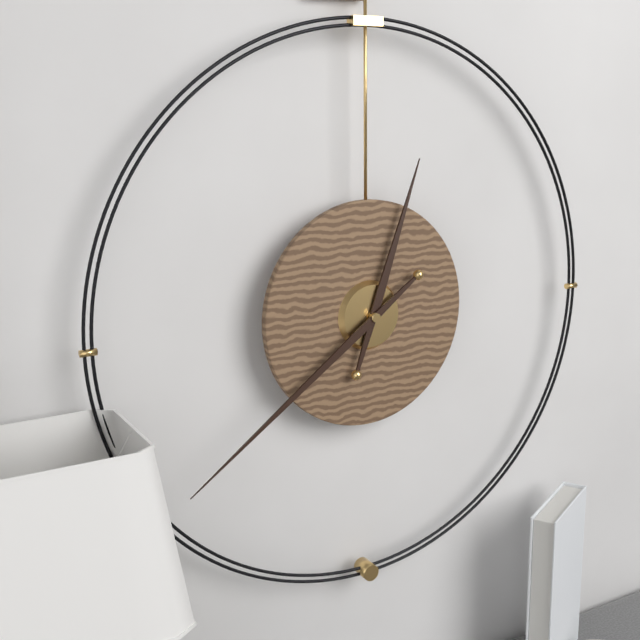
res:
12.39
